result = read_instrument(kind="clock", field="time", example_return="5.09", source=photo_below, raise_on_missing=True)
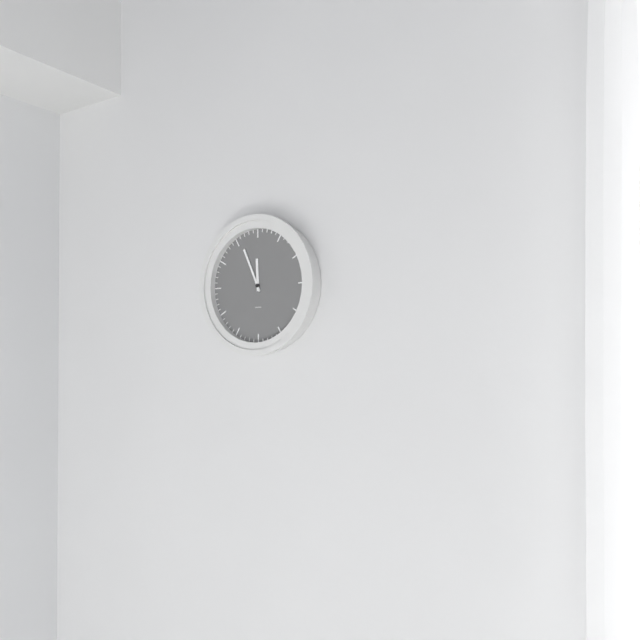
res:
11.56
